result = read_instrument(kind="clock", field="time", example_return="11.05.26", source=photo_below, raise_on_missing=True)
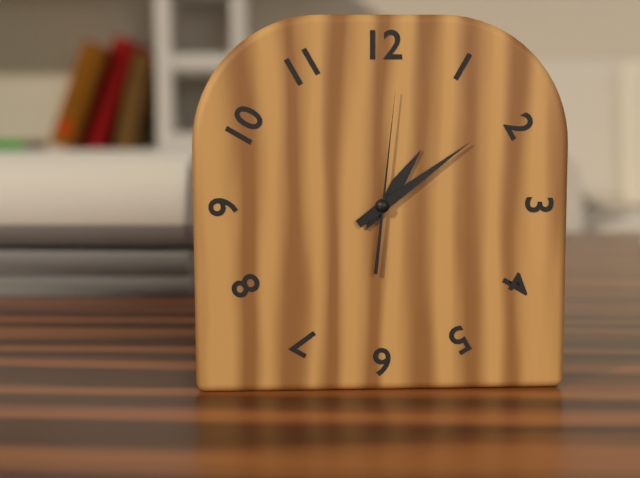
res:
1.09.01
